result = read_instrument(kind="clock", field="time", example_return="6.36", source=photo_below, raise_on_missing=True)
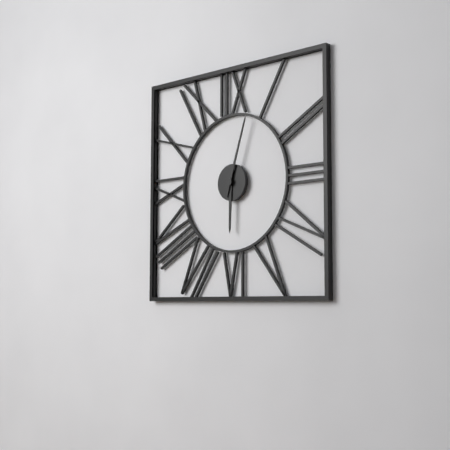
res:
6.03
